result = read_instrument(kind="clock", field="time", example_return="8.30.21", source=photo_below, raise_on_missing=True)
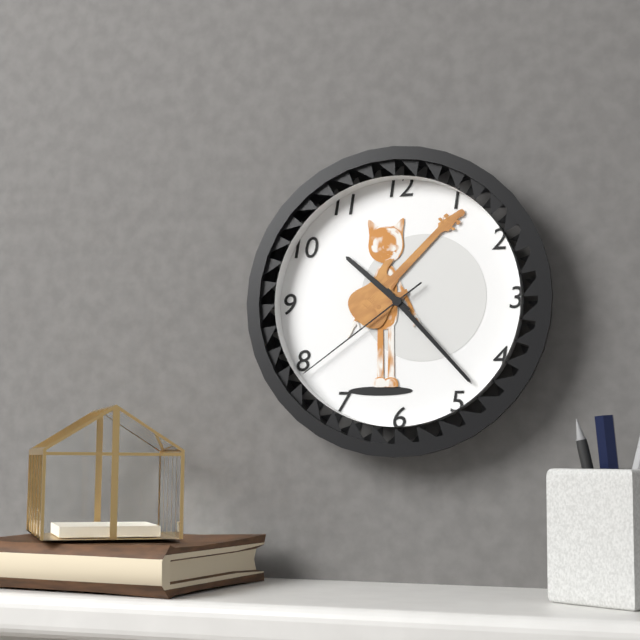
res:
10.23.39
